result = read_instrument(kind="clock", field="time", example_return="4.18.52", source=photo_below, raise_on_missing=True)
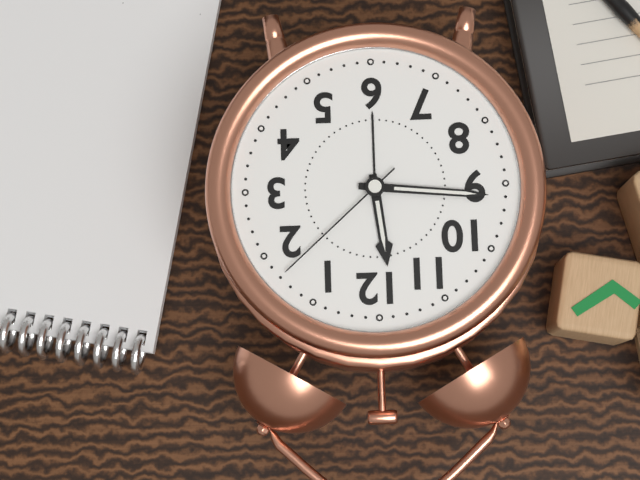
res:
11.46.08
